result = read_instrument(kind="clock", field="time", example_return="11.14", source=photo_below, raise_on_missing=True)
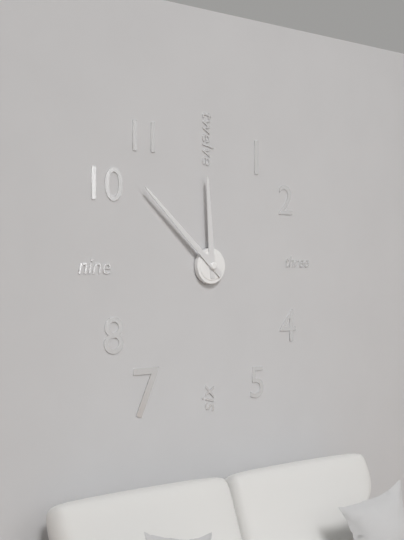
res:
11.52
